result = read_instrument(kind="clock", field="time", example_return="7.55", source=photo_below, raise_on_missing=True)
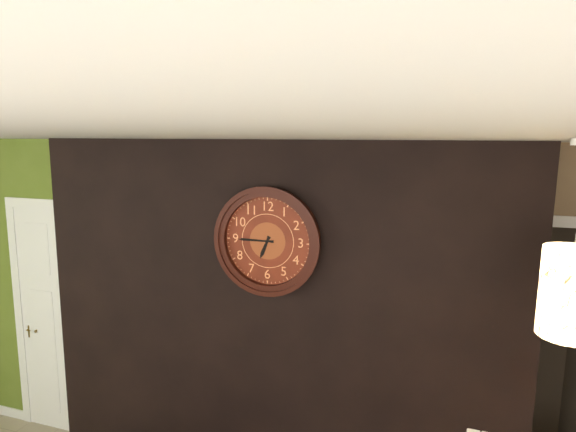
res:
6.45
